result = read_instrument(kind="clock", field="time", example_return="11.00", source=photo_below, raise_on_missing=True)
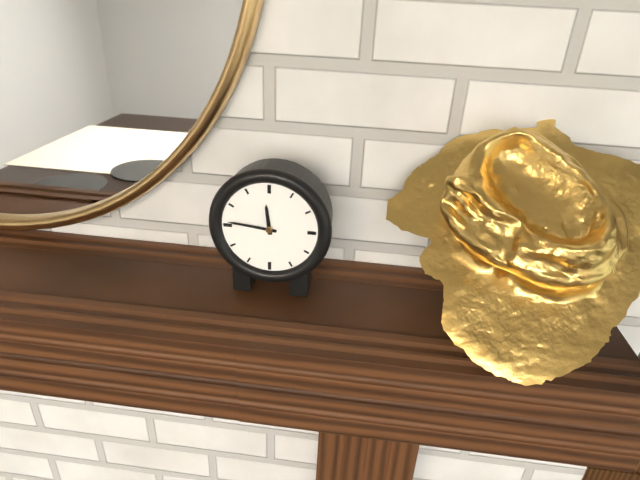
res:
11.46
